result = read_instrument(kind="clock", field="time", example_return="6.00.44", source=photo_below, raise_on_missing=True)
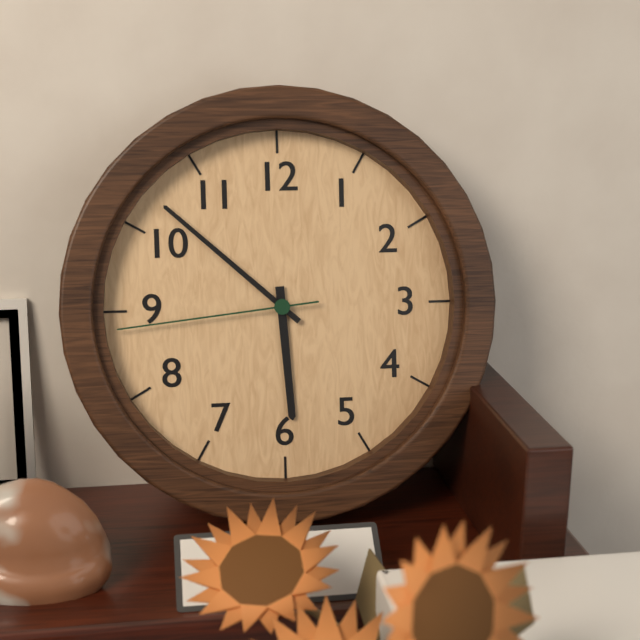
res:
5.52.44
